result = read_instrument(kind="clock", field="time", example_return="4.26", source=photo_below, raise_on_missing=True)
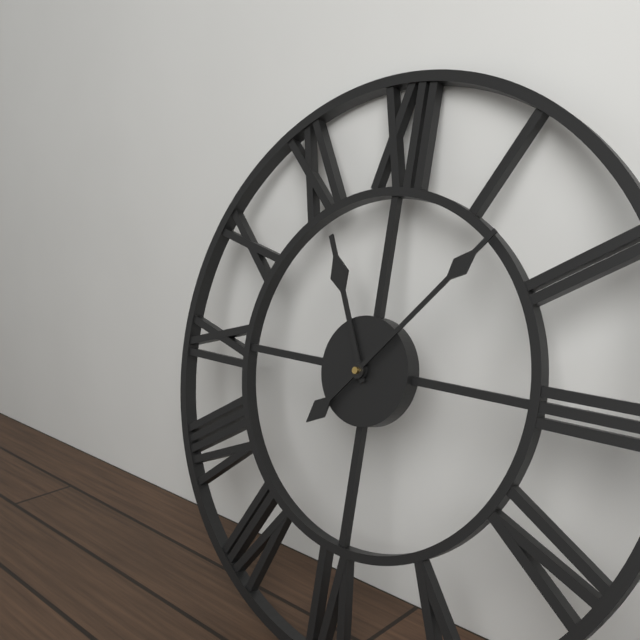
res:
11.07
